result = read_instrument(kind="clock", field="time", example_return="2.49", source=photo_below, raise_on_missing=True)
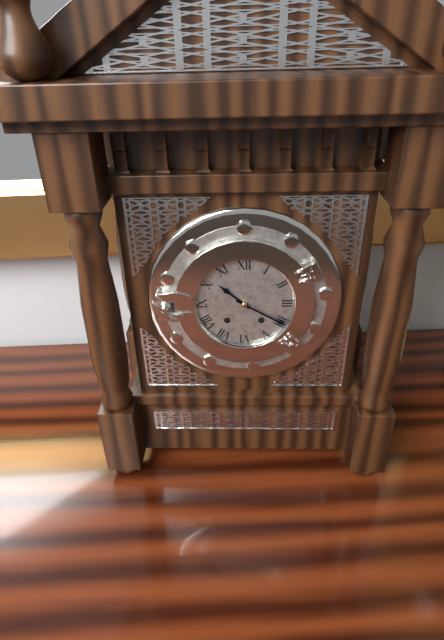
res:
10.20
